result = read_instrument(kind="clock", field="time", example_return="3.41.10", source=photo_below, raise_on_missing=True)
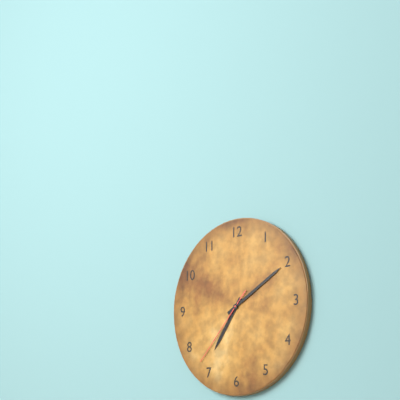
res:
7.10.37
